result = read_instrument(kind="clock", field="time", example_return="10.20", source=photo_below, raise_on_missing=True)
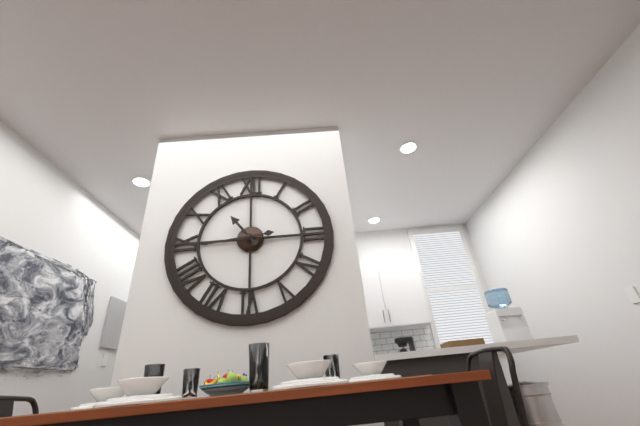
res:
10.44
